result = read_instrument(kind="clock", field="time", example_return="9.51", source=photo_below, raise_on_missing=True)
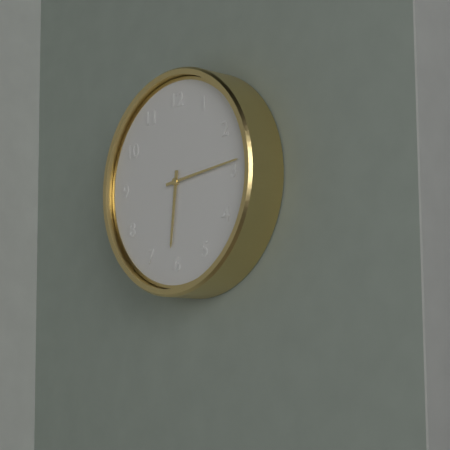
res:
6.14
